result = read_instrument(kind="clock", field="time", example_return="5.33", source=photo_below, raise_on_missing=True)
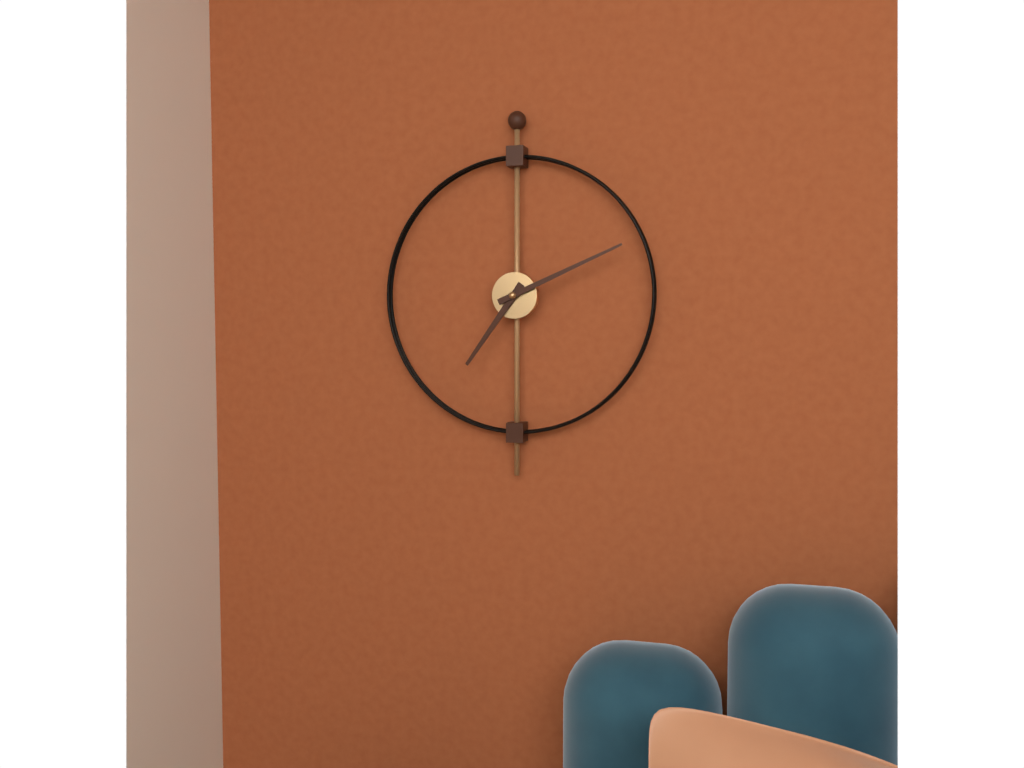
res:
7.11
